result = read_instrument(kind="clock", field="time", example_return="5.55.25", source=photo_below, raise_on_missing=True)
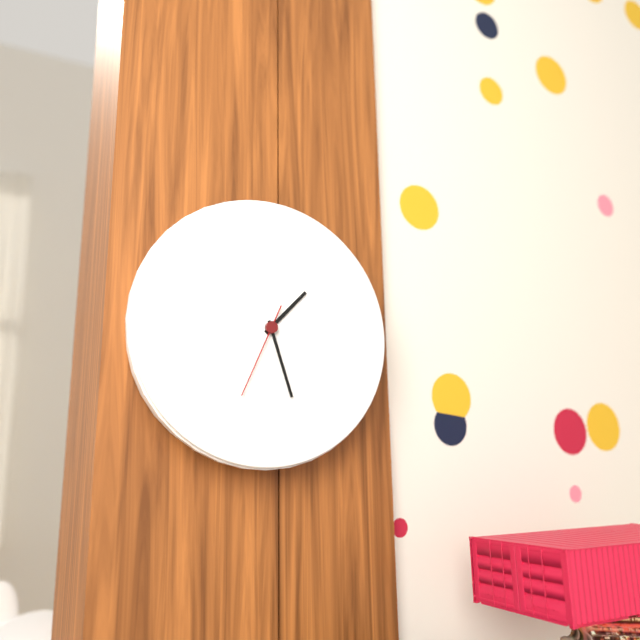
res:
1.27.34
